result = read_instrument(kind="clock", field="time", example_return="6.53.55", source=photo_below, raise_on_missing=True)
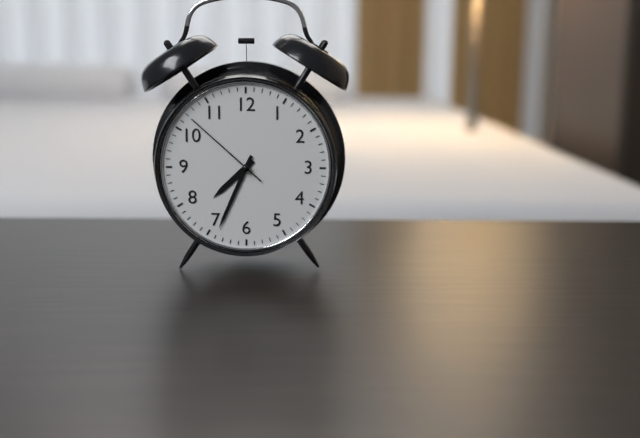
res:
7.34.52
